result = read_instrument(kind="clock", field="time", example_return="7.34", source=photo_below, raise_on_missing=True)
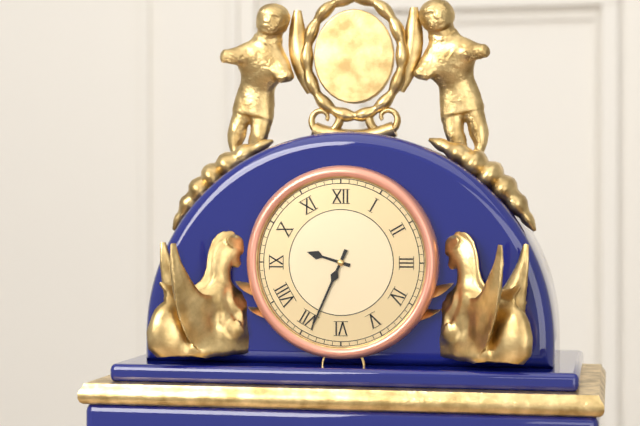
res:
9.34
